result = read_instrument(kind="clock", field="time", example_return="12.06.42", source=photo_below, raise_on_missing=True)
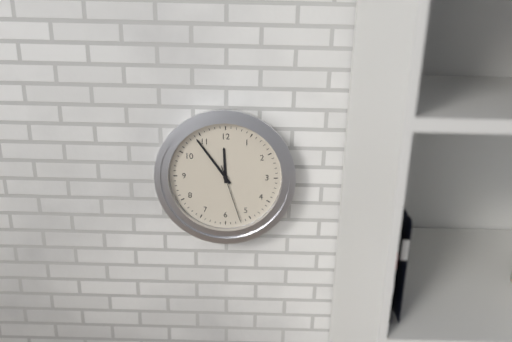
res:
11.54.27
